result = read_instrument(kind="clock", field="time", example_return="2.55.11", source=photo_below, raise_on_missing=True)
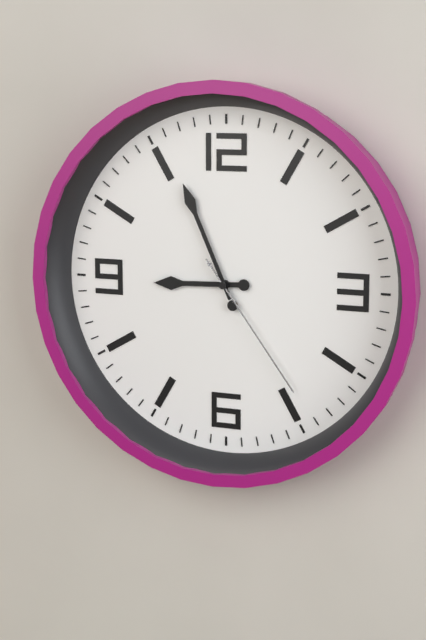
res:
8.56.24
